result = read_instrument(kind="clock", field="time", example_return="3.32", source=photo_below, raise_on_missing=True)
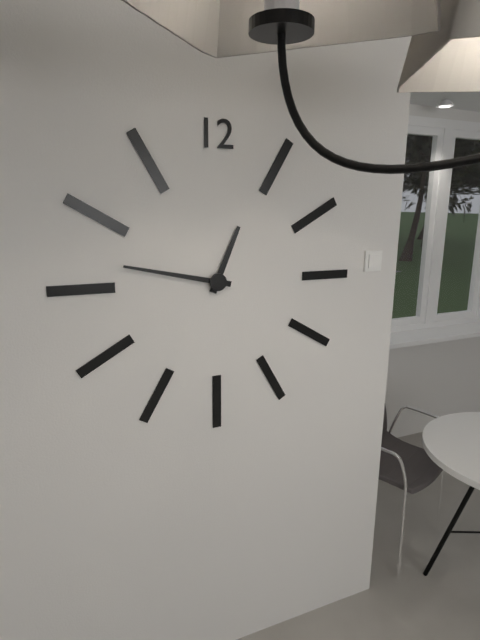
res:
12.47
